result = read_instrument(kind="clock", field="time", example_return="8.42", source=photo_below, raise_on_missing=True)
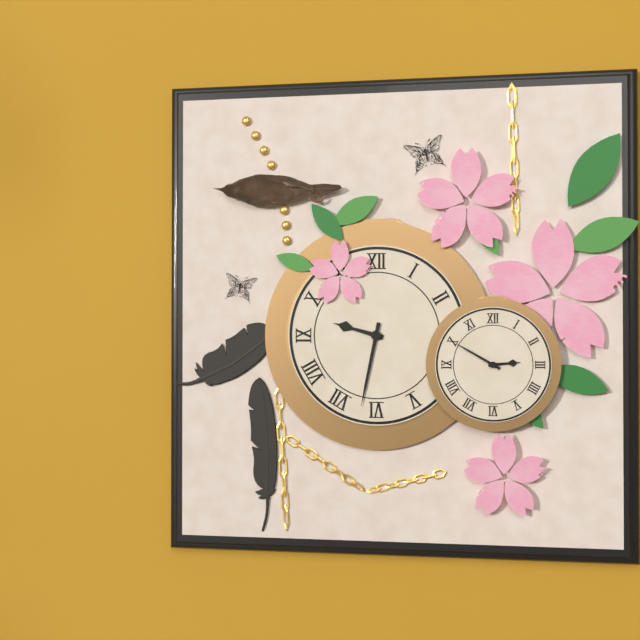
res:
9.32
